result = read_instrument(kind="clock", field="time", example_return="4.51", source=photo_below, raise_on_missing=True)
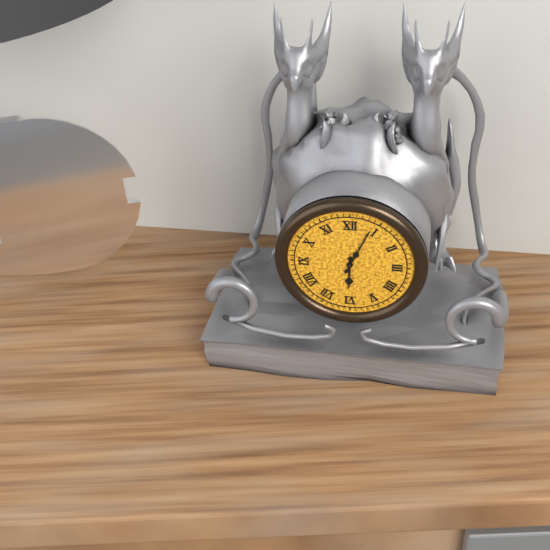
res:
6.04
